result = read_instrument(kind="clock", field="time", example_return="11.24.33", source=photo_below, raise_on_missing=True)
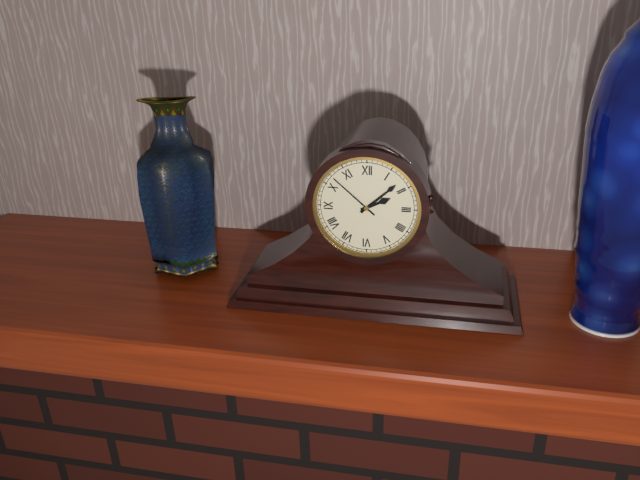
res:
2.08.52
